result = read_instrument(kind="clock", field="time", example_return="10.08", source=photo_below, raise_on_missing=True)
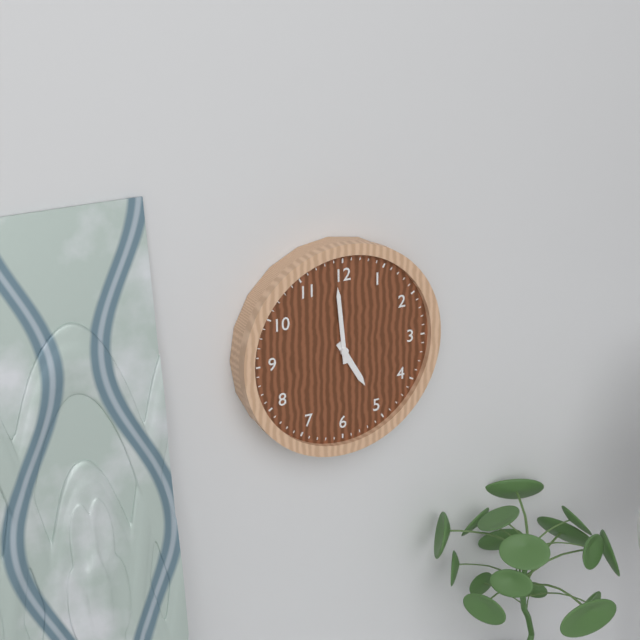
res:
4.59
